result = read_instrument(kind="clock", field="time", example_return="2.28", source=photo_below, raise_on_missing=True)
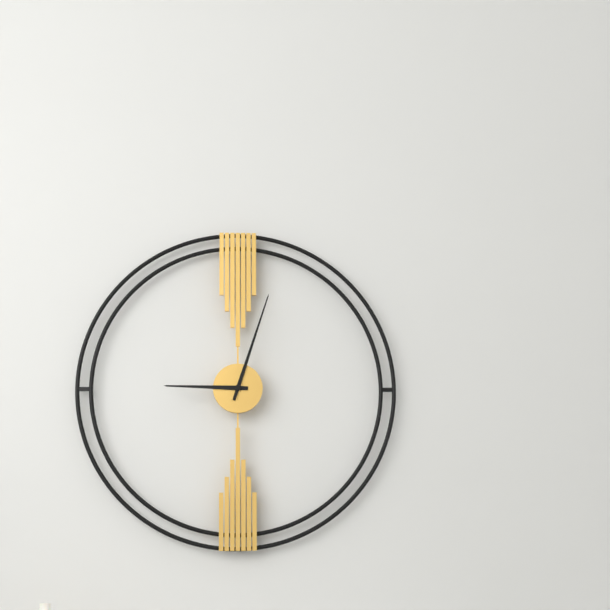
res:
9.03
